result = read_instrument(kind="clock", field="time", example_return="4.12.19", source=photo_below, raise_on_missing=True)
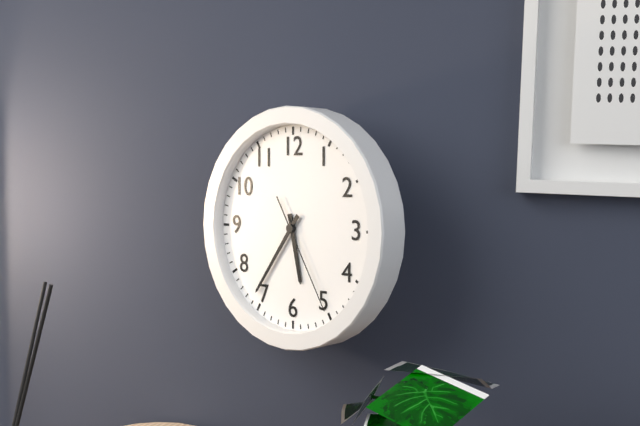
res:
5.36.25
